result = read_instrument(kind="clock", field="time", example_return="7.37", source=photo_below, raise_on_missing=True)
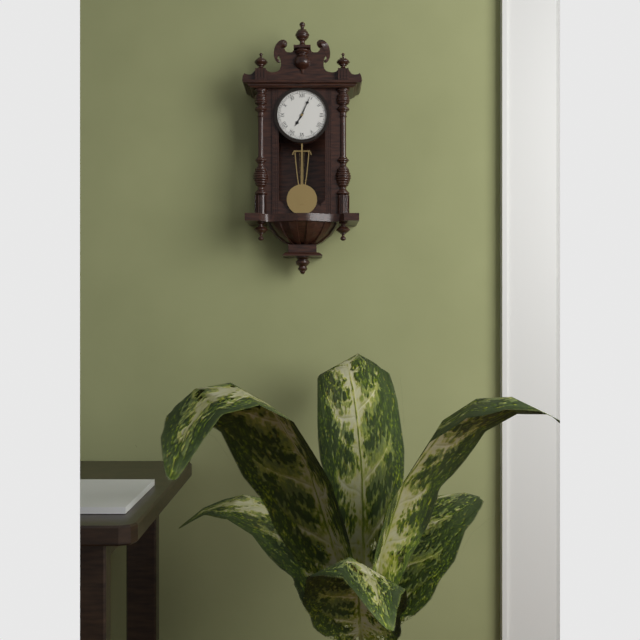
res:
7.04
